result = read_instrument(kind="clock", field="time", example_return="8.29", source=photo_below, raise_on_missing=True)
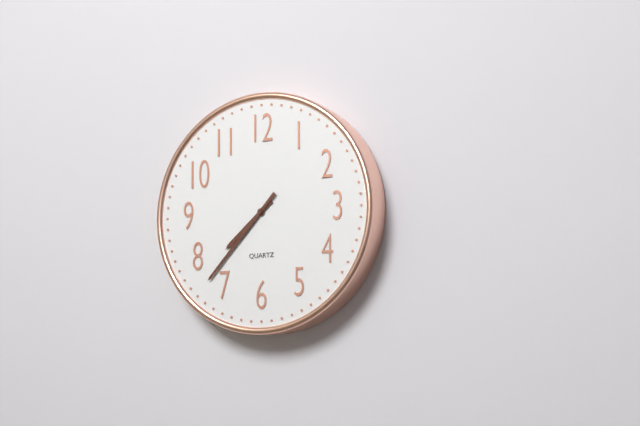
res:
7.37
